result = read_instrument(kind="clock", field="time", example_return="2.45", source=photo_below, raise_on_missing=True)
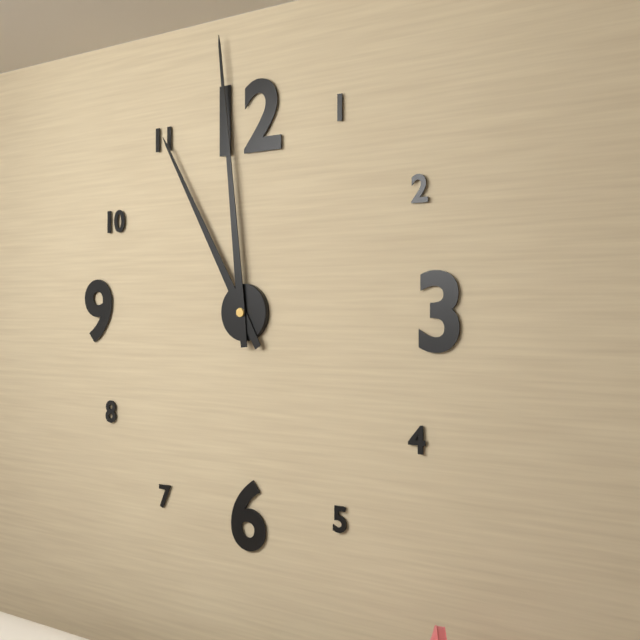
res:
10.59
